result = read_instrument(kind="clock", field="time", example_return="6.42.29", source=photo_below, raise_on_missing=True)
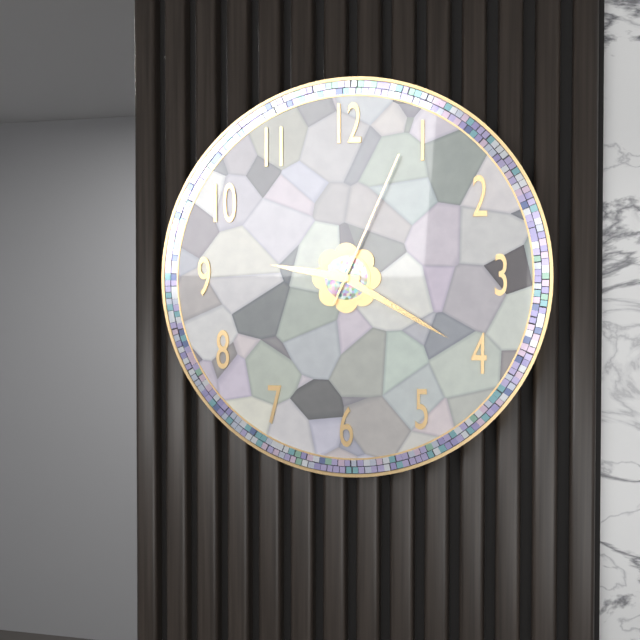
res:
9.20.04
